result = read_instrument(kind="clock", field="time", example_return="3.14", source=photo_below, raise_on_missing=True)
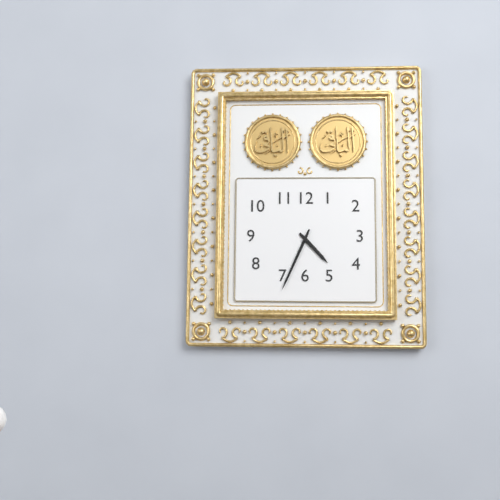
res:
4.34
